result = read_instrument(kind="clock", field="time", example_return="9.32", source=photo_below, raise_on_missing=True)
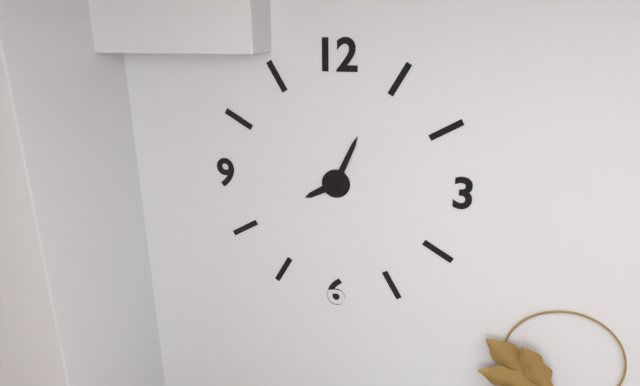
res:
8.04
